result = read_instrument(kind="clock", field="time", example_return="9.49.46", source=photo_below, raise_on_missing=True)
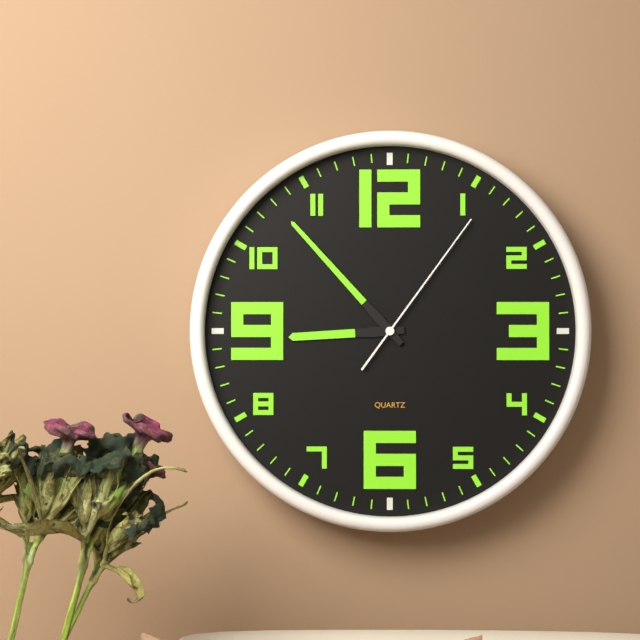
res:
8.53.06
